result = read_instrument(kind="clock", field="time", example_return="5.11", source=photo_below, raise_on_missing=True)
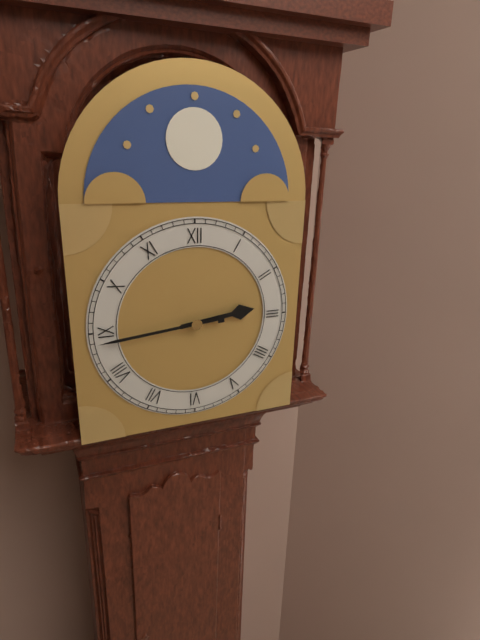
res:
2.44
